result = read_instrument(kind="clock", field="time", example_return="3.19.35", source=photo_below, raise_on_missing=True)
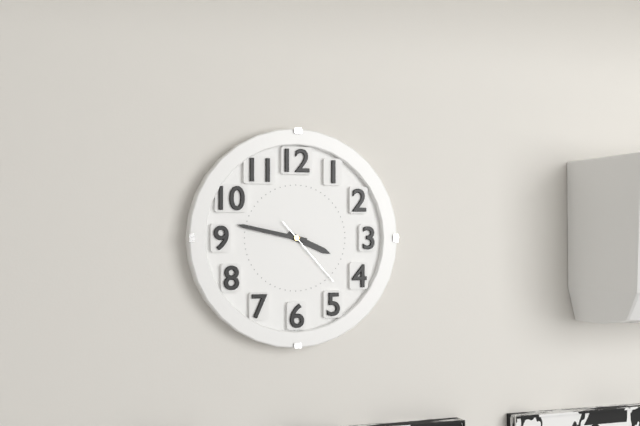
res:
3.47.23
